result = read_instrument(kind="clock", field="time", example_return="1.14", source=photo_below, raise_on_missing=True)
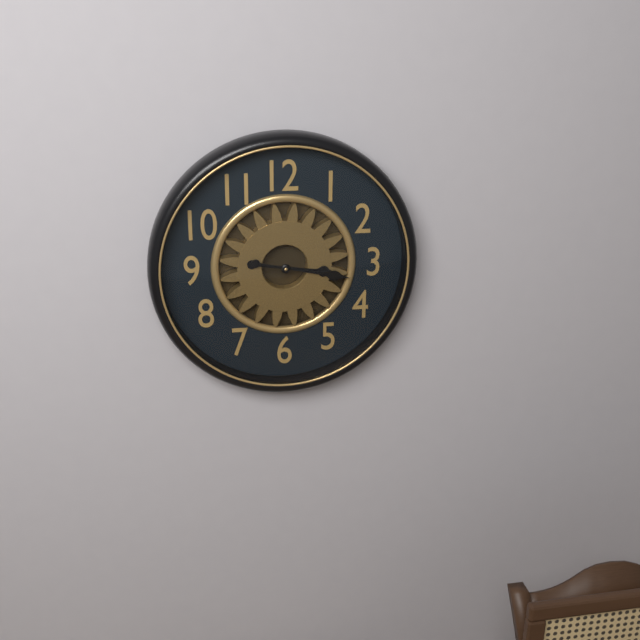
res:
3.17
